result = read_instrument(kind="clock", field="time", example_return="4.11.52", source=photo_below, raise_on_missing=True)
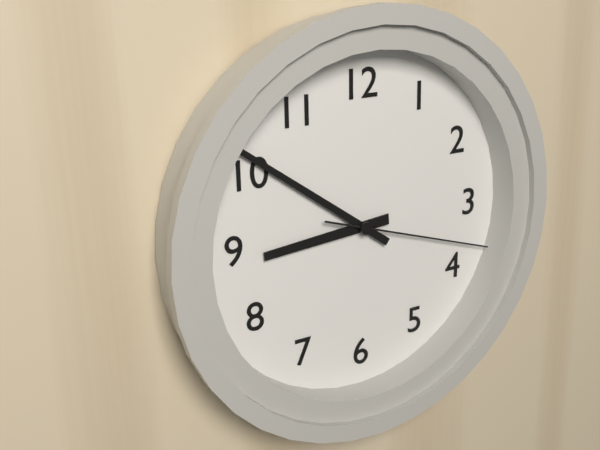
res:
8.51.18
